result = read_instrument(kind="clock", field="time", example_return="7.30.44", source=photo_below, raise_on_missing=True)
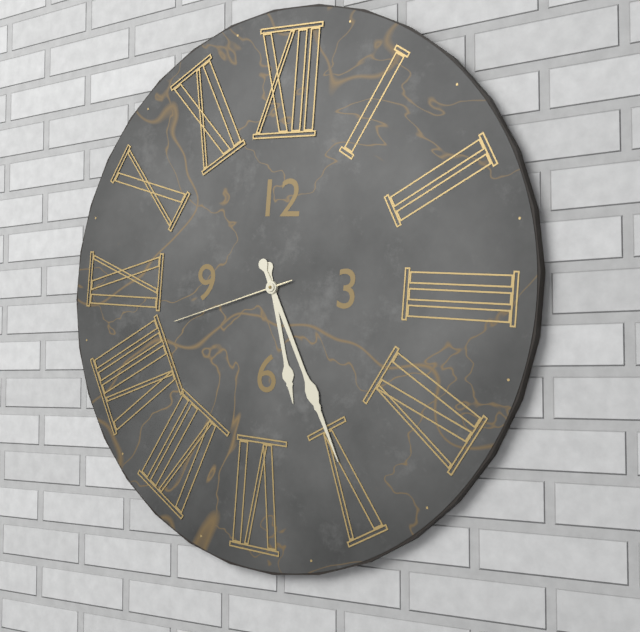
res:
5.25.42
